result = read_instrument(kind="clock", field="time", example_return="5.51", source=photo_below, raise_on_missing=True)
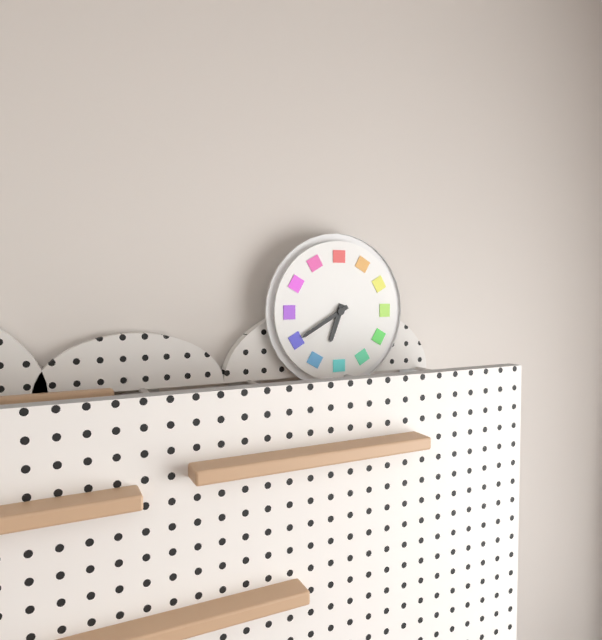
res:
6.40
